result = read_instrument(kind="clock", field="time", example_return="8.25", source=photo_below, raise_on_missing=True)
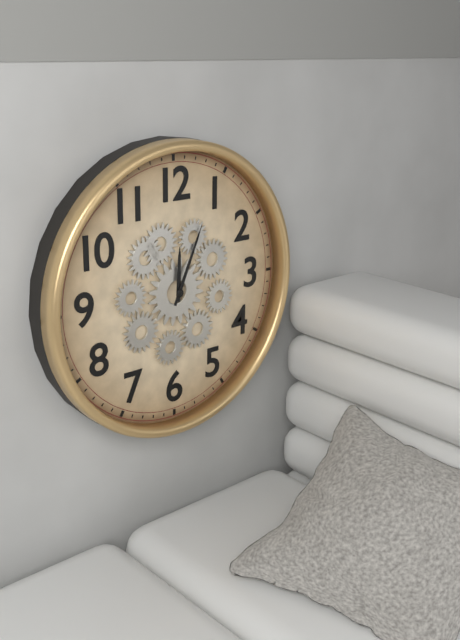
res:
12.04
